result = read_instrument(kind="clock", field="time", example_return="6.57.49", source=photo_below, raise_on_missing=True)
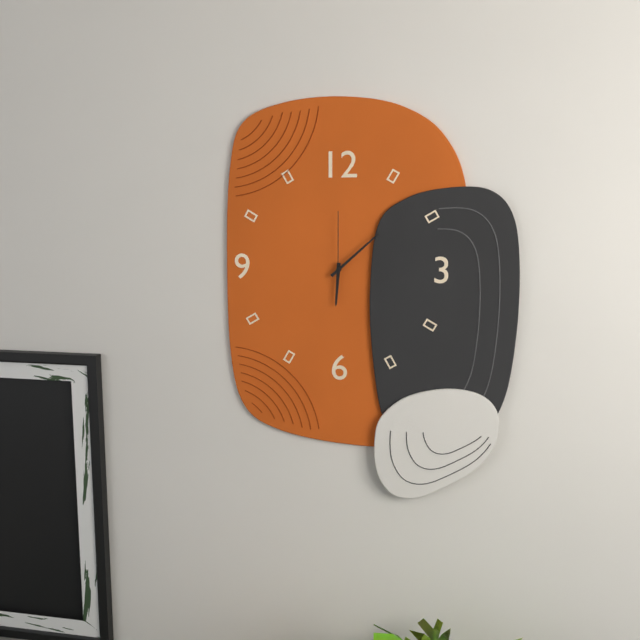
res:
6.08.00
